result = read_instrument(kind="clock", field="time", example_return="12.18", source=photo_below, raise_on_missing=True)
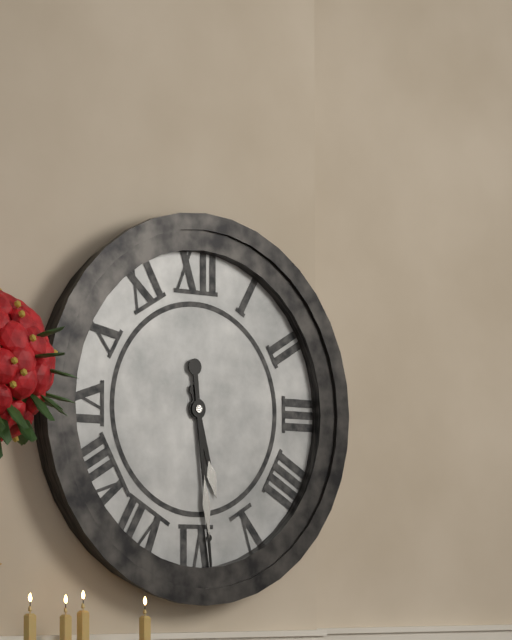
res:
5.29
